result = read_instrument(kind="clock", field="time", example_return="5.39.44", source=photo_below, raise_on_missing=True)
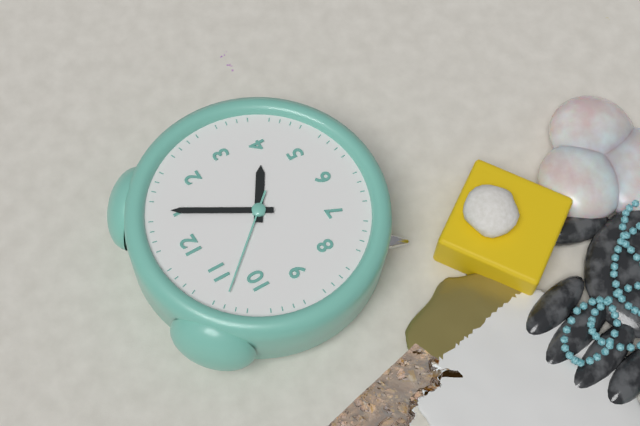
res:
4.05.53
